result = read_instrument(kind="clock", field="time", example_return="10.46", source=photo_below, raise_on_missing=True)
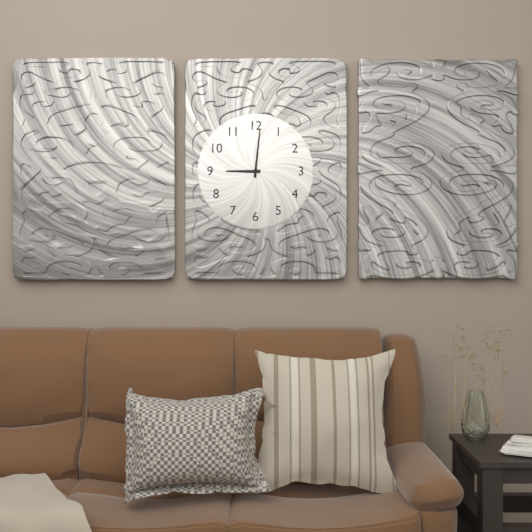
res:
9.01
